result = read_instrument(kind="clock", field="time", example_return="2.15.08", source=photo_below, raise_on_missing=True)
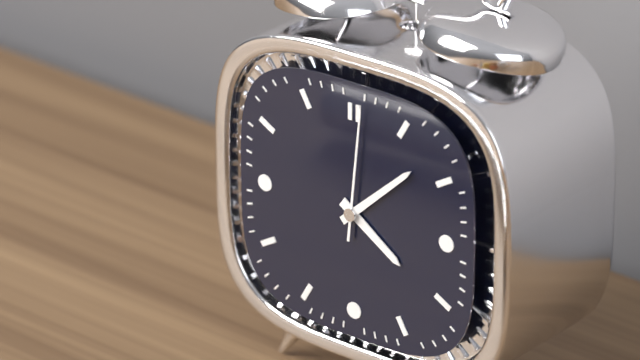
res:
4.08.01
